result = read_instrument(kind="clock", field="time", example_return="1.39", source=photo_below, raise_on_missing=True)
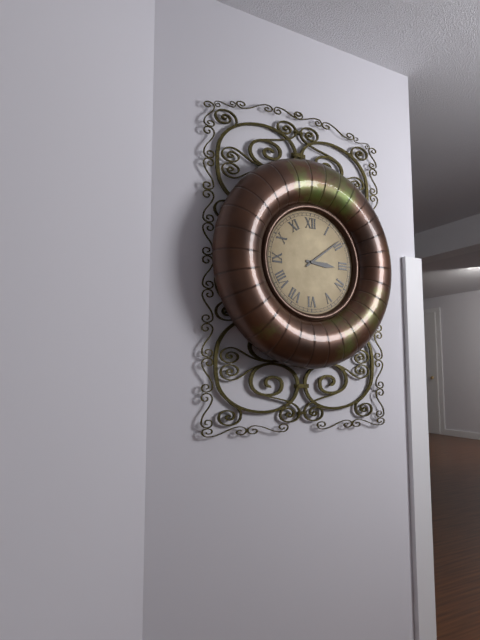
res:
3.09
